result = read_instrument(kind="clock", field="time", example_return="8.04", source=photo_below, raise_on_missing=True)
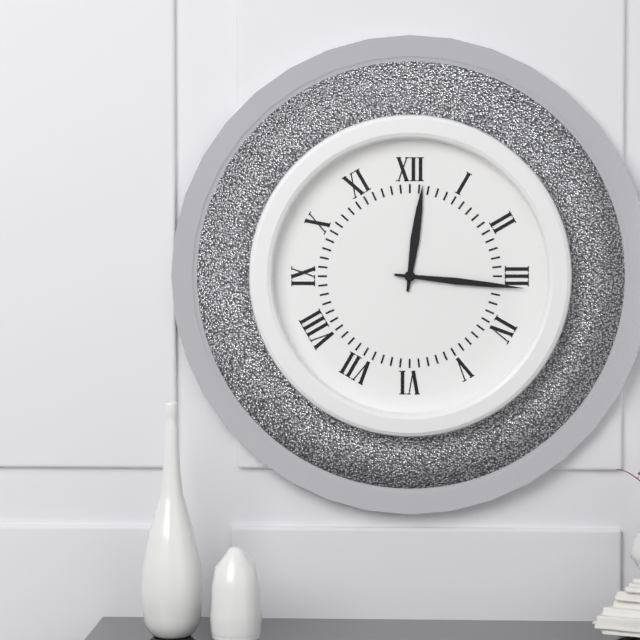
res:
12.16
